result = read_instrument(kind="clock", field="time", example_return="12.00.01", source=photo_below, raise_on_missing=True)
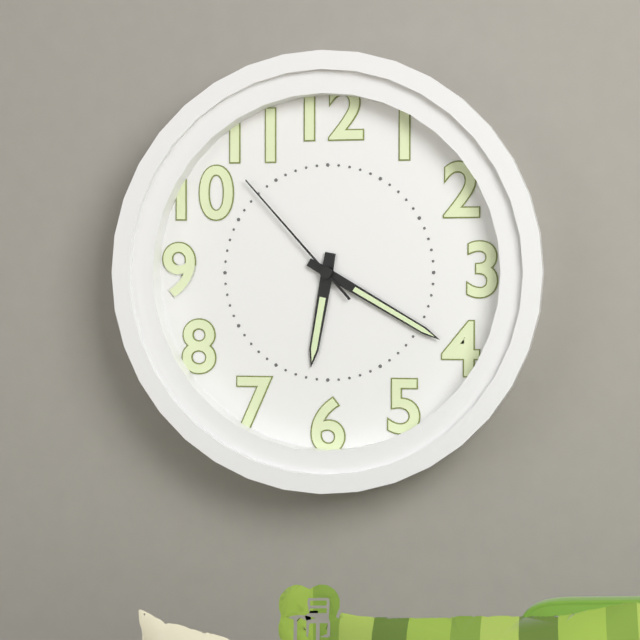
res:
6.20.53
